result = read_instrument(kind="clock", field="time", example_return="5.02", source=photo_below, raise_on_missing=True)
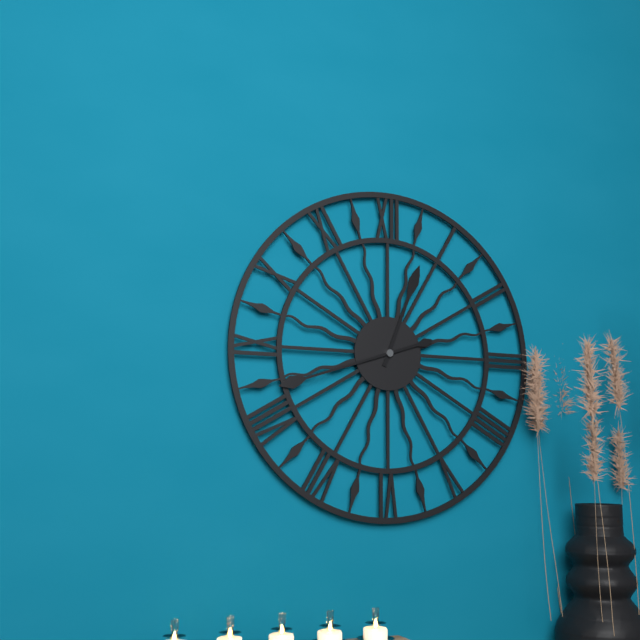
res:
12.42
